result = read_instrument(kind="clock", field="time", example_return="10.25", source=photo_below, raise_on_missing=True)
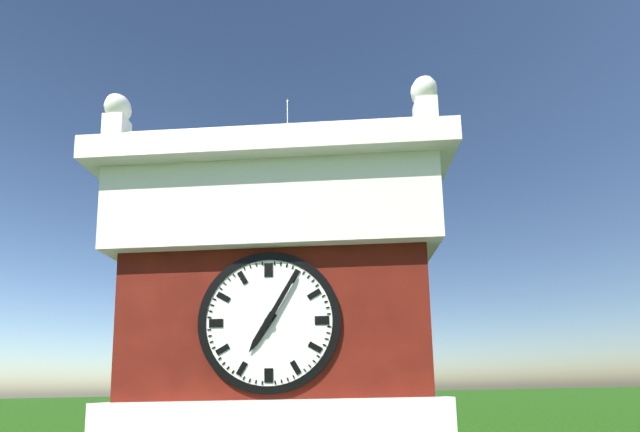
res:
7.05
